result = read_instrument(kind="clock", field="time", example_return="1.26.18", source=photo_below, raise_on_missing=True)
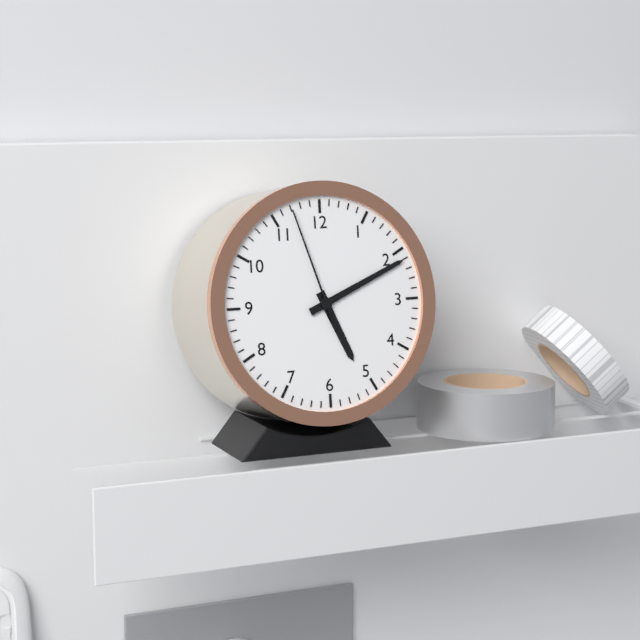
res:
5.11.57
